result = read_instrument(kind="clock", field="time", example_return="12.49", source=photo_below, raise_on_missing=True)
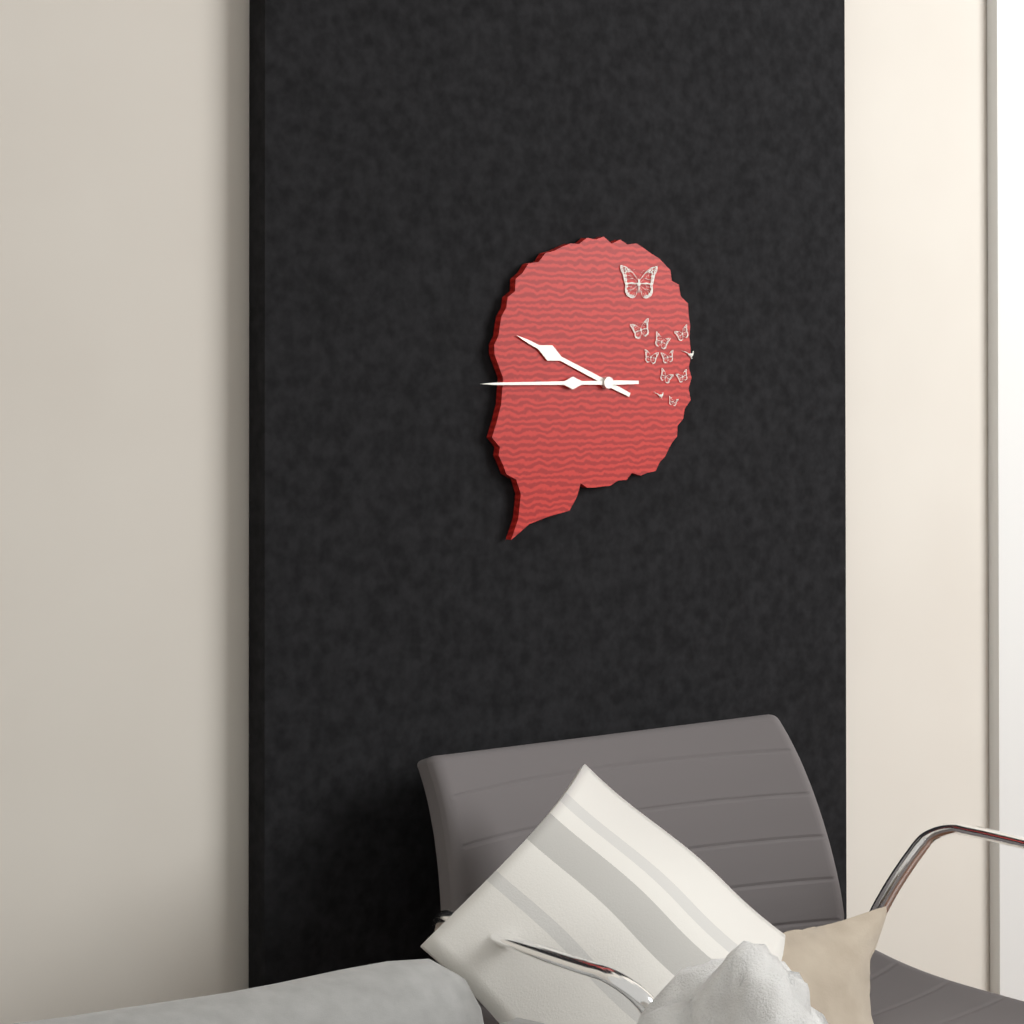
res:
9.45
